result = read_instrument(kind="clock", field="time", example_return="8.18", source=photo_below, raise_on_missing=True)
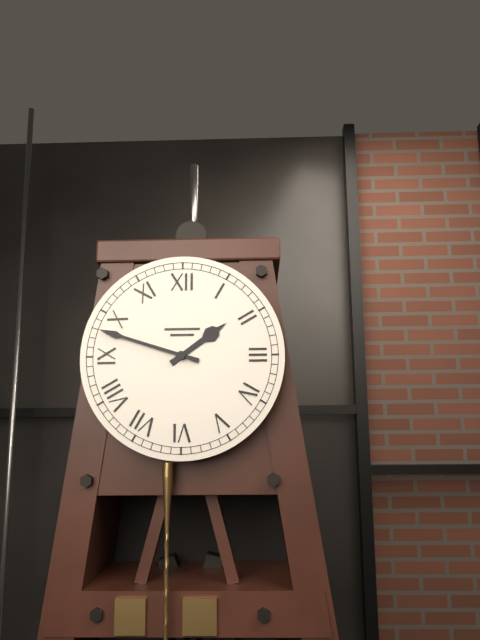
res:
1.48
